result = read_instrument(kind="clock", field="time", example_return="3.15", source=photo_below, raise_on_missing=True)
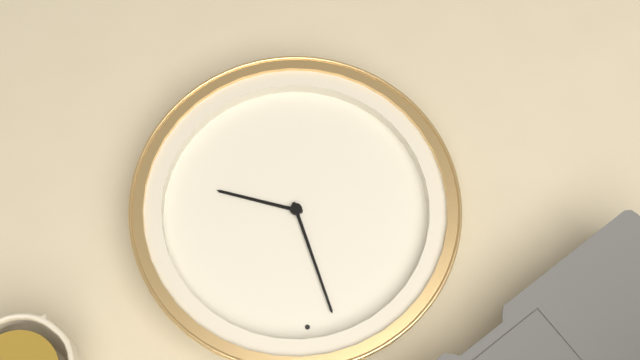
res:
2.54
